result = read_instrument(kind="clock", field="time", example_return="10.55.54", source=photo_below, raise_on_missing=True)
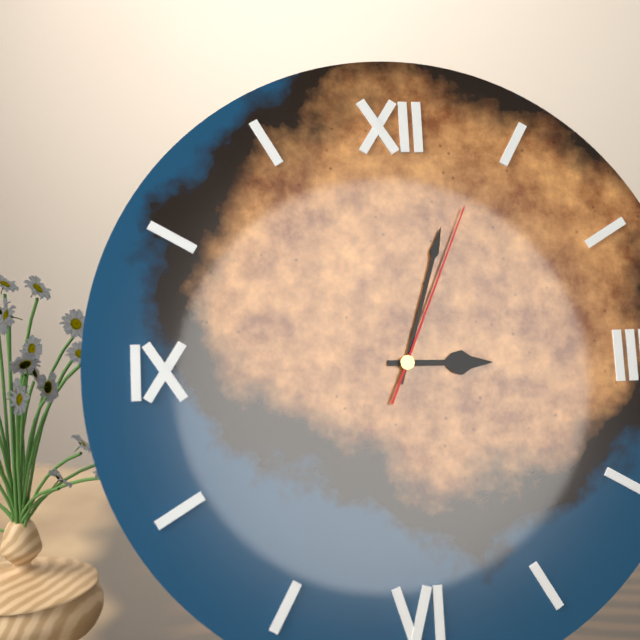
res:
3.03.04
